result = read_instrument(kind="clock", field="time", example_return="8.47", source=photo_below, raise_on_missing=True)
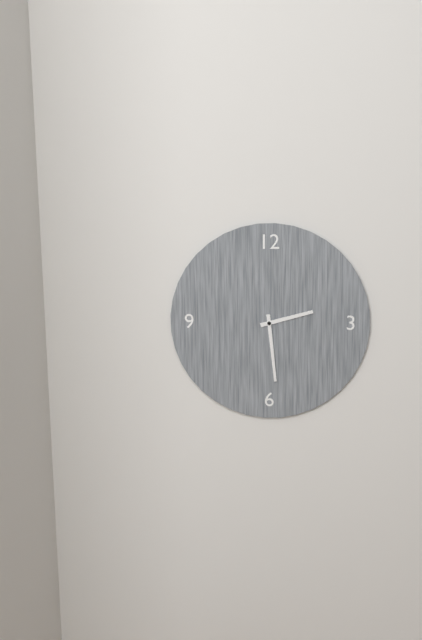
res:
2.29
